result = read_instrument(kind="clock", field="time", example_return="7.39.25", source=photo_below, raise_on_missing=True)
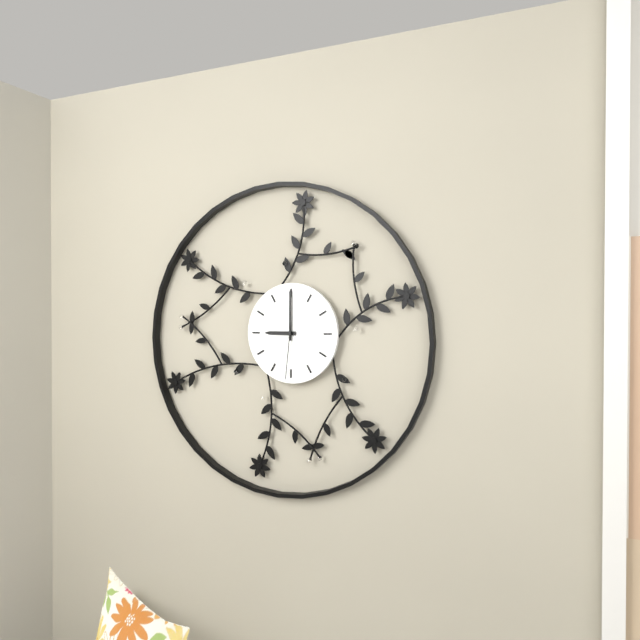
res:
9.00.31
